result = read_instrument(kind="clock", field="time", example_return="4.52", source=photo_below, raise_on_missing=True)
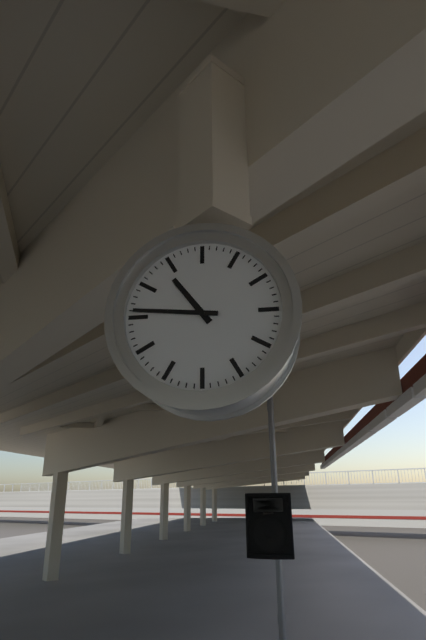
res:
10.46
